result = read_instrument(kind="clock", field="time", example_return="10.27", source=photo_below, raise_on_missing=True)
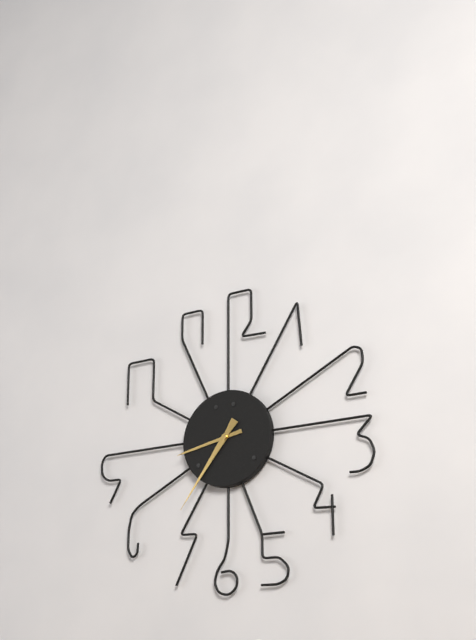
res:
8.36
